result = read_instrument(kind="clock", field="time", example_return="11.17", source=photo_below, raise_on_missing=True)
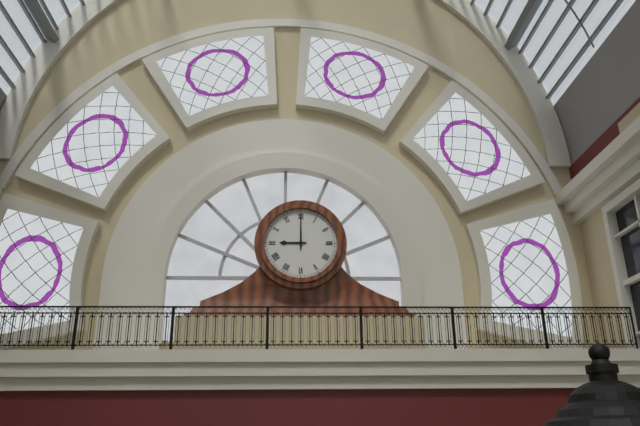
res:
9.00
